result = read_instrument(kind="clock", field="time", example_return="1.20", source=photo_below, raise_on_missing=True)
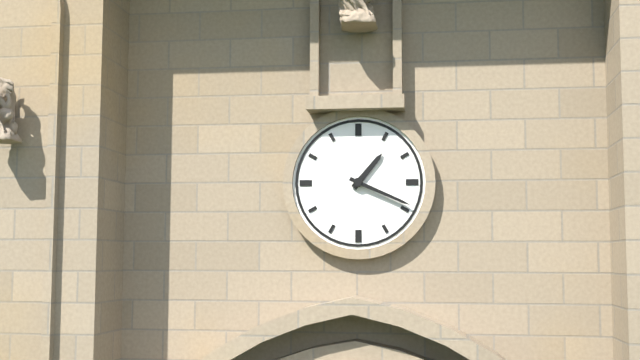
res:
1.19
